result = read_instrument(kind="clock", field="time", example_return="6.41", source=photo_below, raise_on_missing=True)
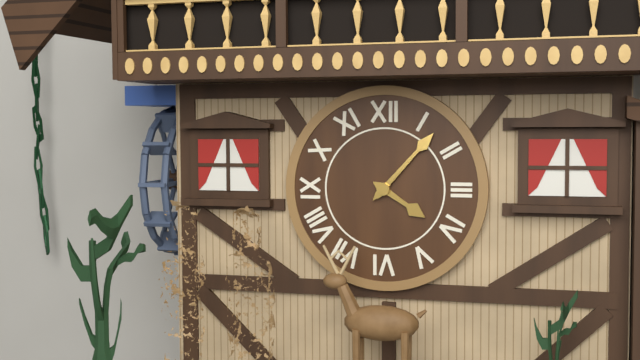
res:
4.07
